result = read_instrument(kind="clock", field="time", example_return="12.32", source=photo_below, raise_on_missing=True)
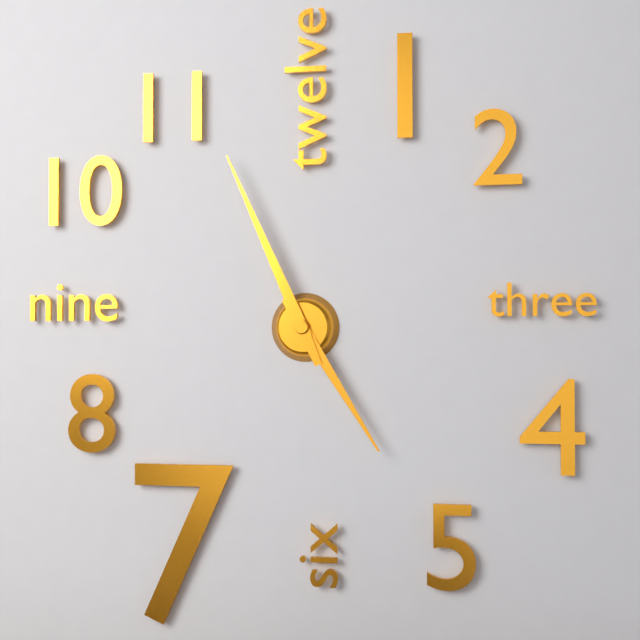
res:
4.56
